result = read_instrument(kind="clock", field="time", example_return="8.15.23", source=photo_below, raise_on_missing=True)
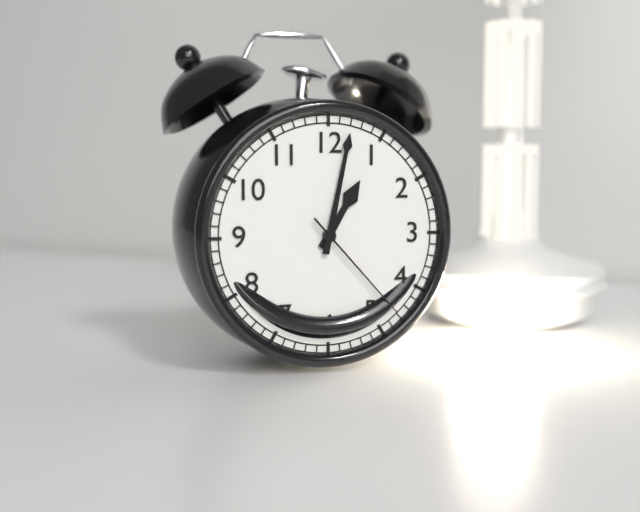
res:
1.02.23
